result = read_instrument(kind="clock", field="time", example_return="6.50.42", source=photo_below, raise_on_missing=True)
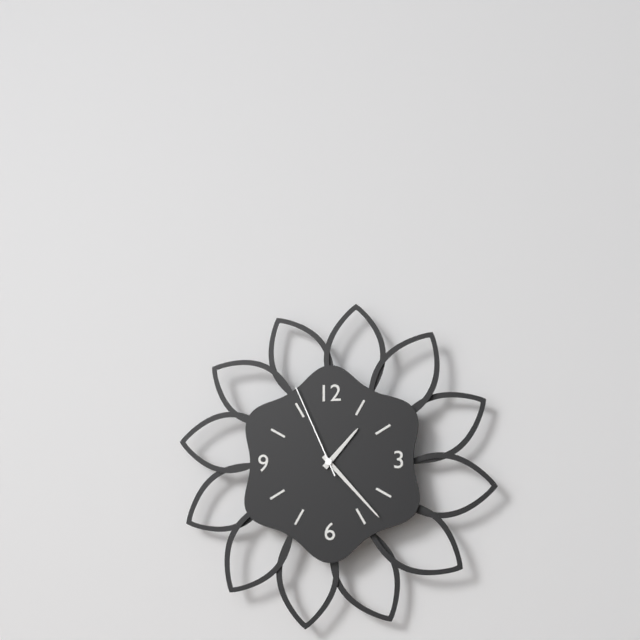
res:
1.23.56
